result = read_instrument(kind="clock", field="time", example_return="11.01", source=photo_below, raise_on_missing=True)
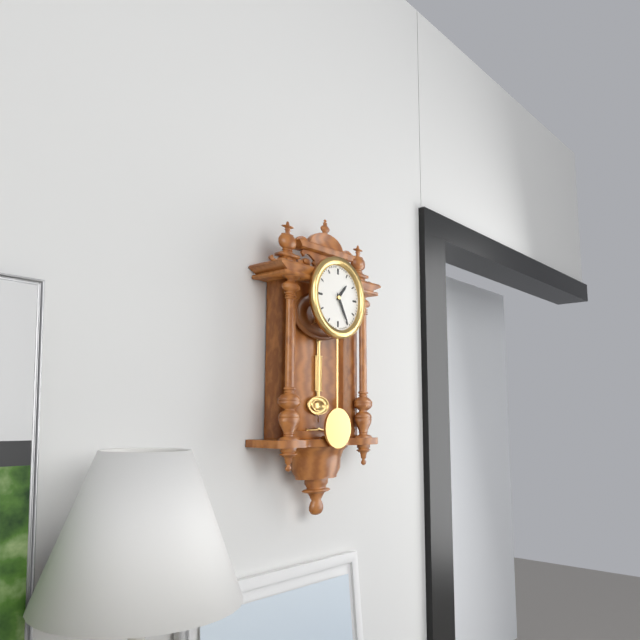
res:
1.25
